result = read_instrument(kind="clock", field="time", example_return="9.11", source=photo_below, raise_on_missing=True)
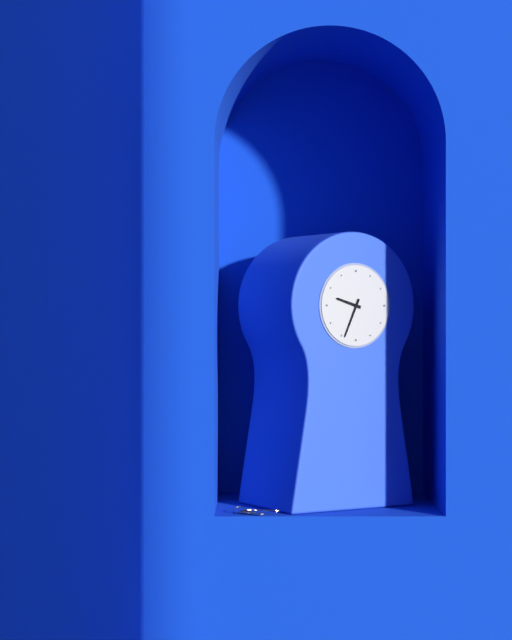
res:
9.34
